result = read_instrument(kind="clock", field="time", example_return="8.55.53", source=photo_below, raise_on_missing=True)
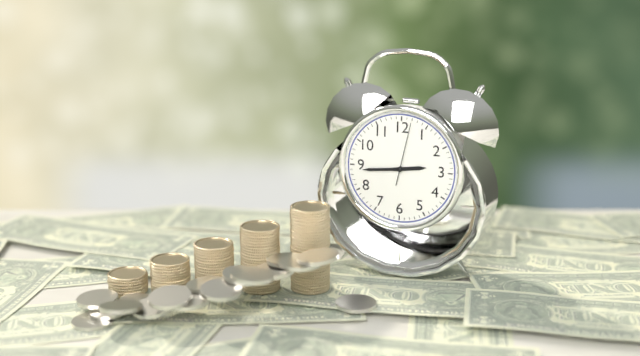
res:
2.44.02
